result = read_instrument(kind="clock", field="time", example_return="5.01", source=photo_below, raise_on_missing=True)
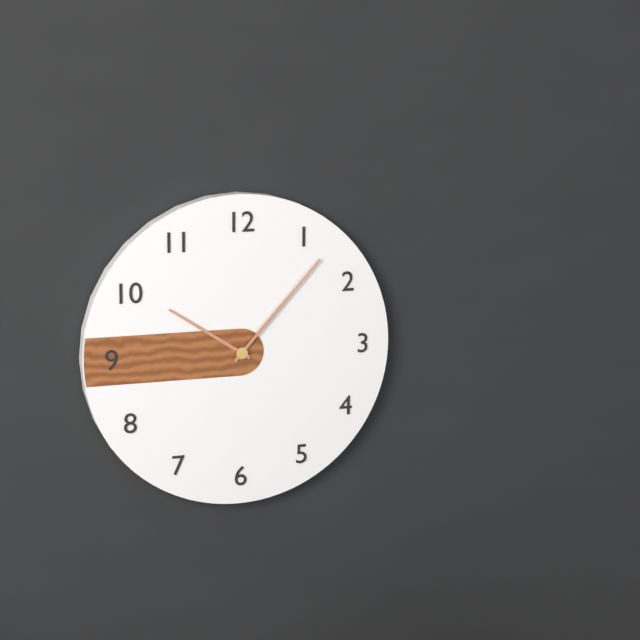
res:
10.07
